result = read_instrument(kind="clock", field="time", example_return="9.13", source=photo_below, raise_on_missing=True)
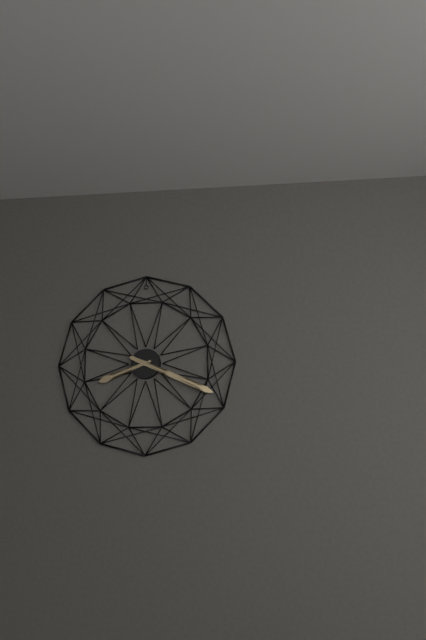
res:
8.19
